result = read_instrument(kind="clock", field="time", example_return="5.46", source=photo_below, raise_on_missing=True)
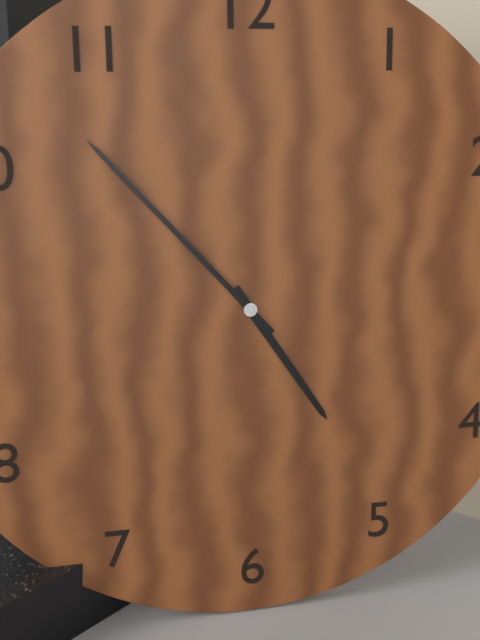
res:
4.53
